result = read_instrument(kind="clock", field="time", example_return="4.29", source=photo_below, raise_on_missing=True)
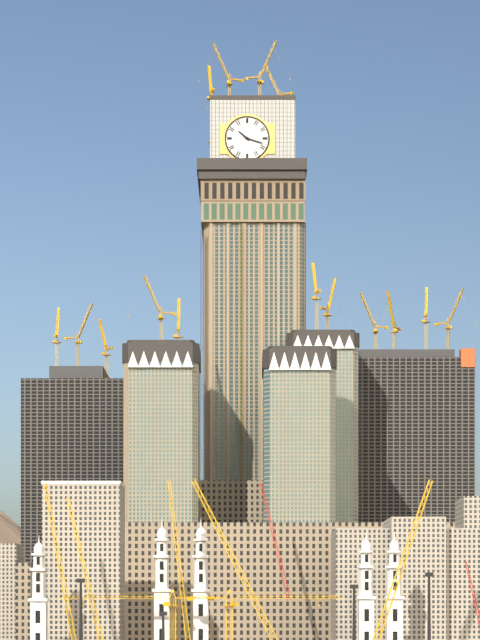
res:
10.18
